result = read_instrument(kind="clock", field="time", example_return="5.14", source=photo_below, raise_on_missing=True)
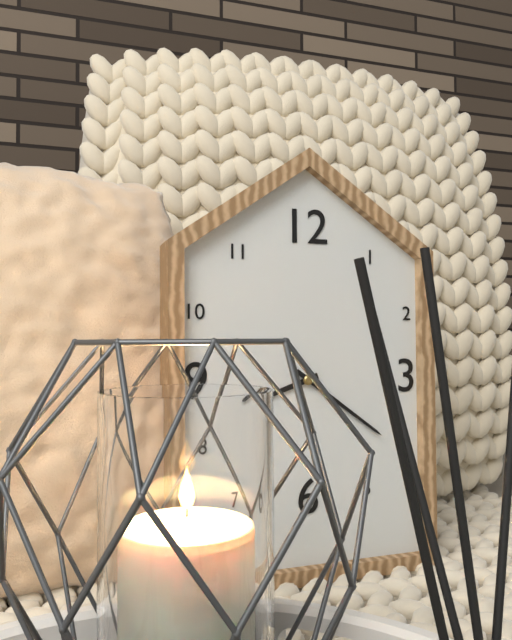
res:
8.21
